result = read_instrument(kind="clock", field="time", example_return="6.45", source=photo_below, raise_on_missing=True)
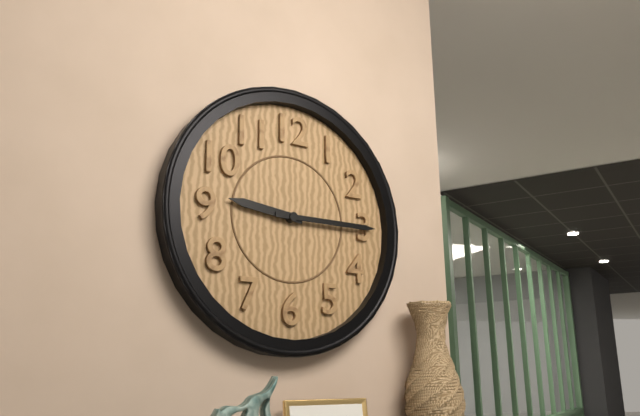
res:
9.15
